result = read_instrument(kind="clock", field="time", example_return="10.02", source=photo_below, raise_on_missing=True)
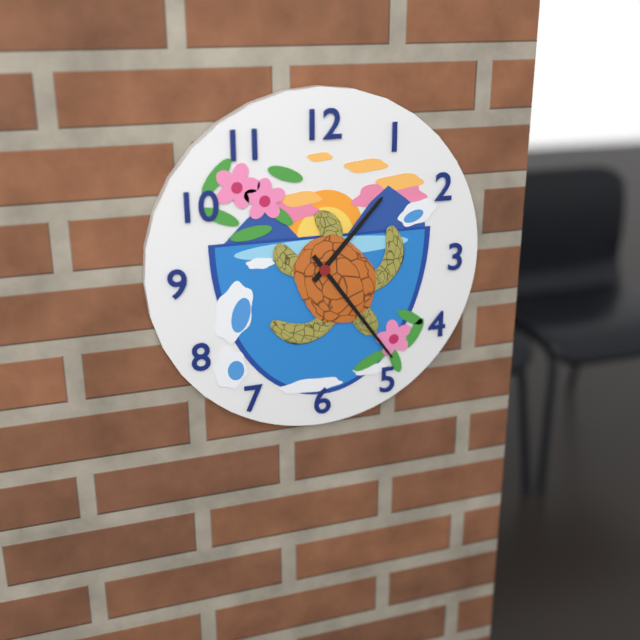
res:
1.24
